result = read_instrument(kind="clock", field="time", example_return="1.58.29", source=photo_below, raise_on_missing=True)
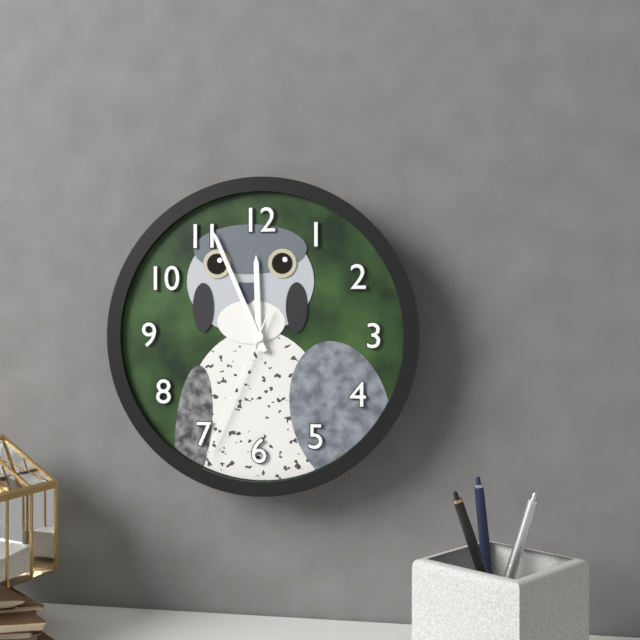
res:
11.56.34
